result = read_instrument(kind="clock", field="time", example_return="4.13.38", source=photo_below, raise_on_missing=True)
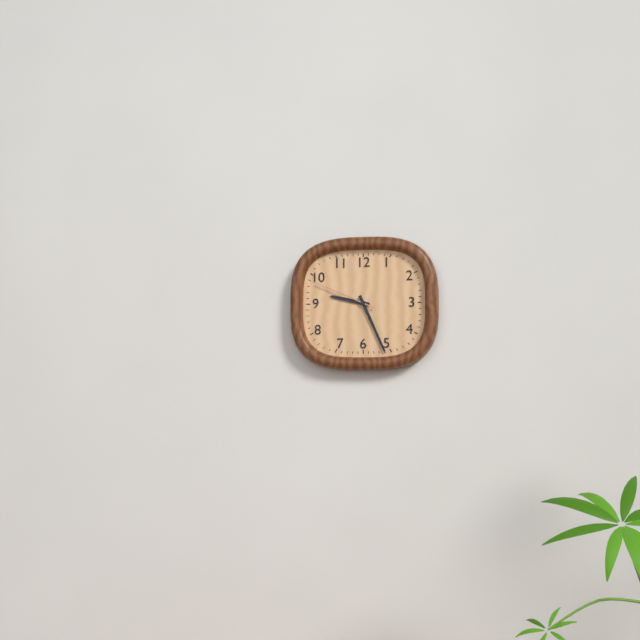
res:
9.26.49
